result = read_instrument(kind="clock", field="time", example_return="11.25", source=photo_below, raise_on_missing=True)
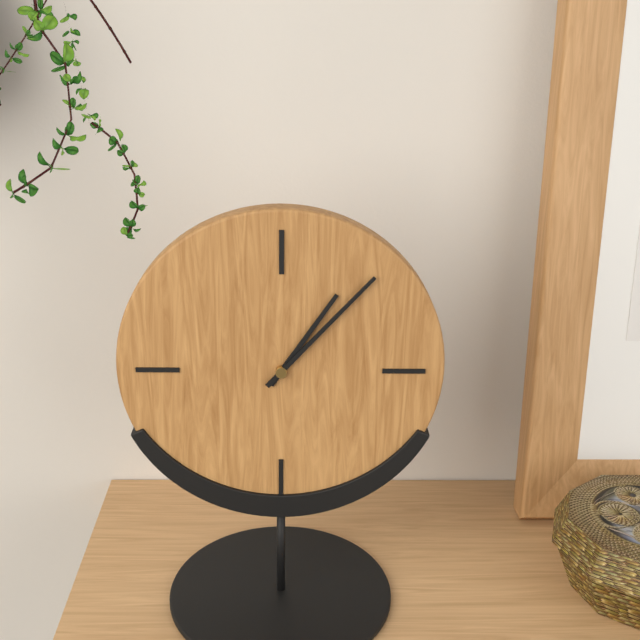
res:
1.07
